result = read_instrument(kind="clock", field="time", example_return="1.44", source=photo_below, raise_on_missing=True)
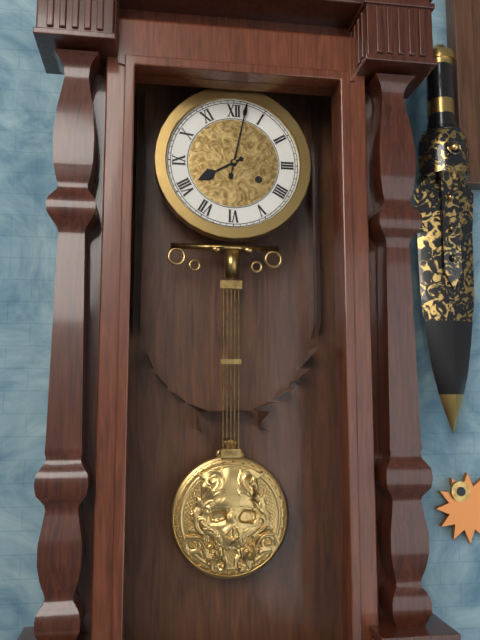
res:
8.02
